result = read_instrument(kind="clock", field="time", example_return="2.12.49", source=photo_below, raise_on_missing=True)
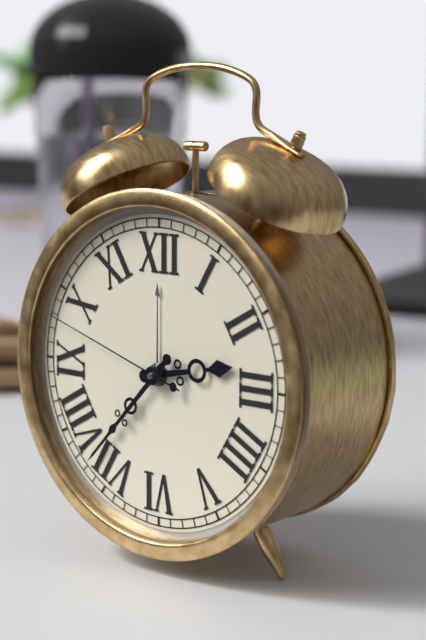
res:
2.37.48
